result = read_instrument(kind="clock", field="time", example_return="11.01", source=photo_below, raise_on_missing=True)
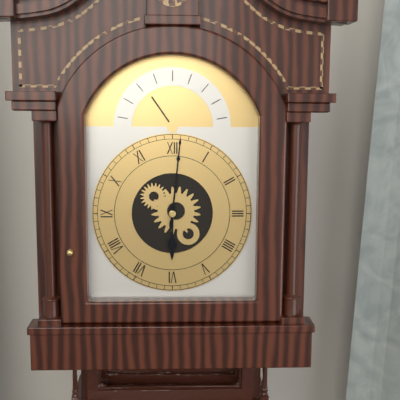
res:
6.01
